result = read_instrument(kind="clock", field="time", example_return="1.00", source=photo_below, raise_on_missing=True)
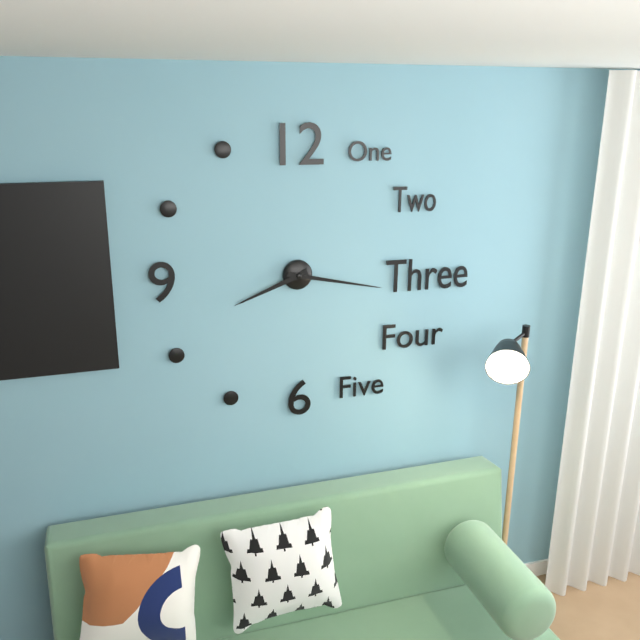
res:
8.17
